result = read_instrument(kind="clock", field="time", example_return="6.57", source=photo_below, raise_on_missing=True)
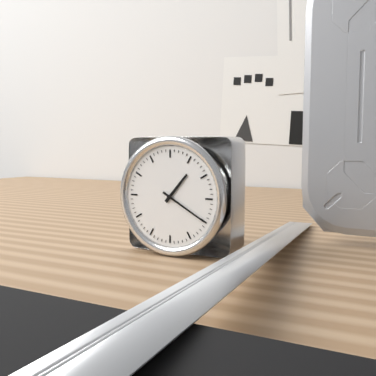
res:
1.20
